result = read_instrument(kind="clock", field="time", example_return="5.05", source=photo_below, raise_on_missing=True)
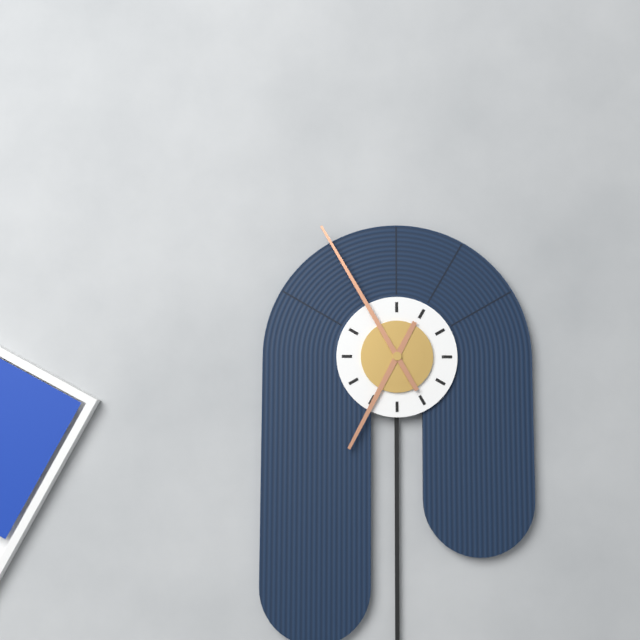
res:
6.55
